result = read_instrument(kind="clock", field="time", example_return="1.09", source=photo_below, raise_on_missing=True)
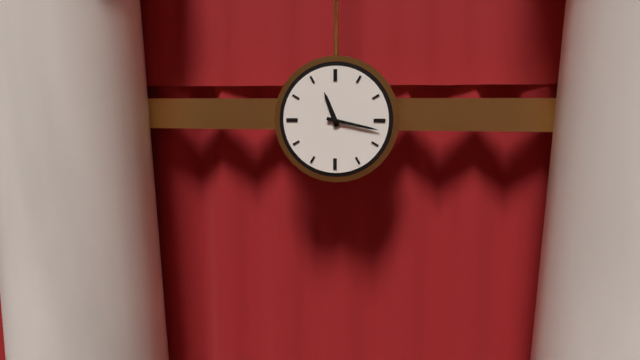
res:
11.17
